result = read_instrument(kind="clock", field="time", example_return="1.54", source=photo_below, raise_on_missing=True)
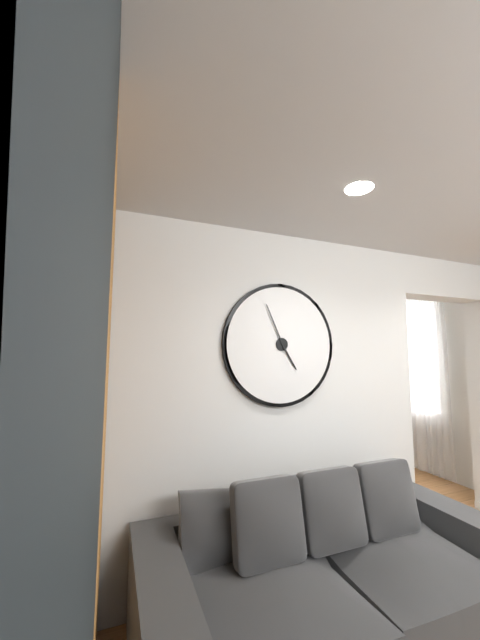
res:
4.56
